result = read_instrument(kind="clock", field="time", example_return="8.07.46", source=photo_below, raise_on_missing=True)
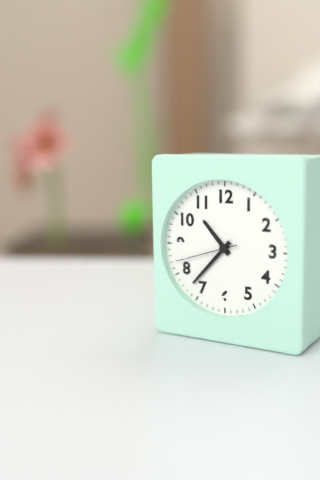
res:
10.37.42
